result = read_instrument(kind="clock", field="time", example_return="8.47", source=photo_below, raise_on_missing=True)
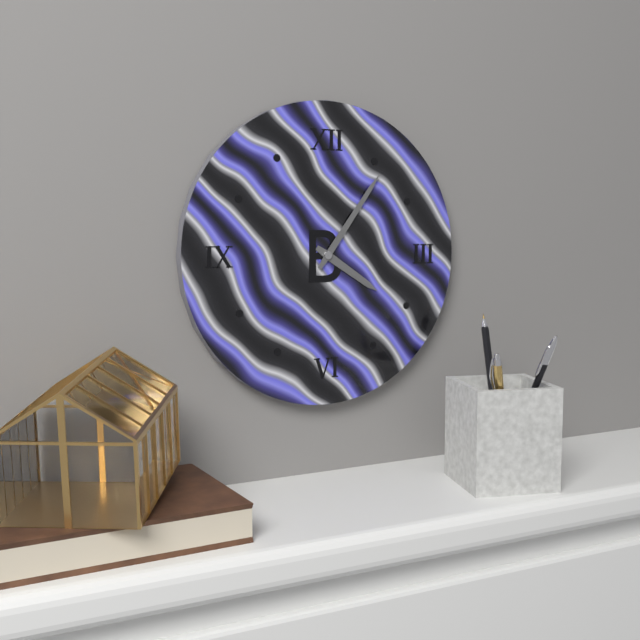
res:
4.06
